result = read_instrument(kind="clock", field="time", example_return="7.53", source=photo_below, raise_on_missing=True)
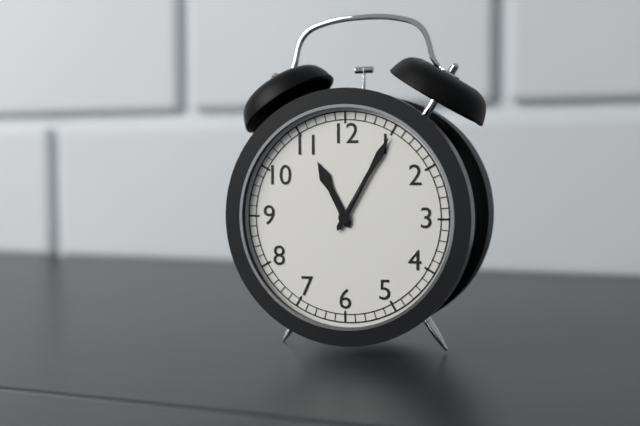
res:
11.05
